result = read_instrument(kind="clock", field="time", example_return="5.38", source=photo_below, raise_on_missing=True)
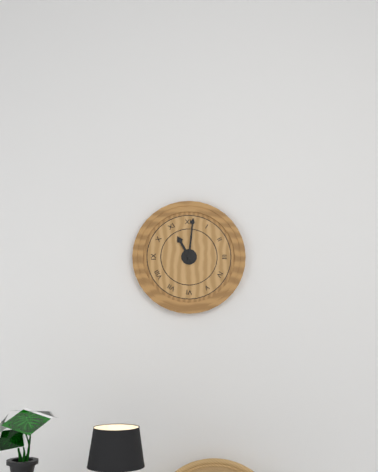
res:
11.01
